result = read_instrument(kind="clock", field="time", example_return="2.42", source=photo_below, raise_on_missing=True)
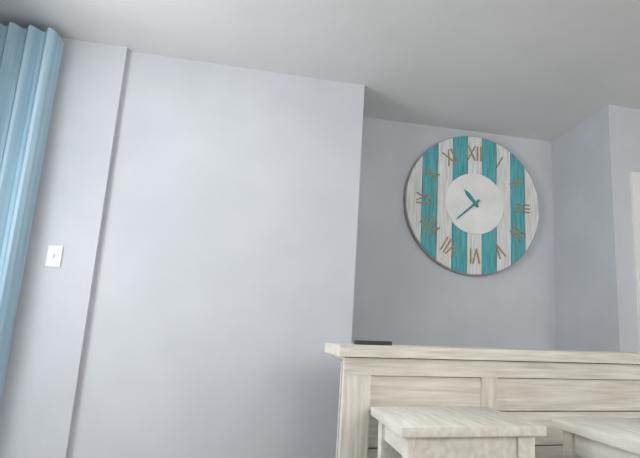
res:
10.38
